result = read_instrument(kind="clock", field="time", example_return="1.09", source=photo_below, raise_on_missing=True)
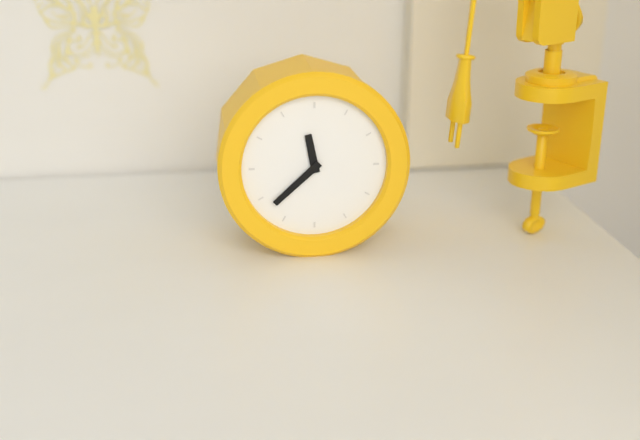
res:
11.38
